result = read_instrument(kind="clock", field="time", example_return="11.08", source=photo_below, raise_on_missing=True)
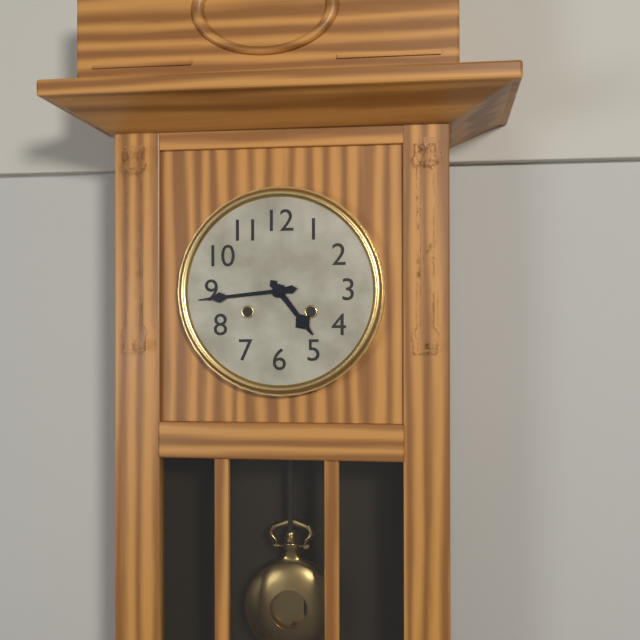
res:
4.44
